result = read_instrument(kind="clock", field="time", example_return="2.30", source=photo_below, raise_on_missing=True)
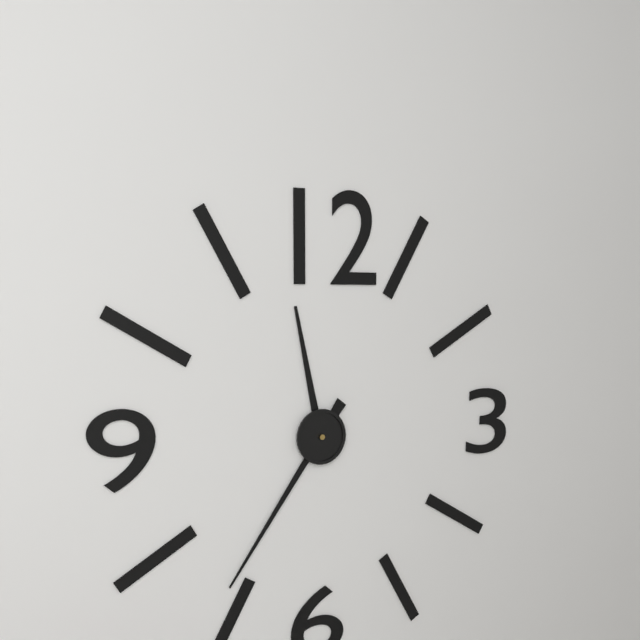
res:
11.36
